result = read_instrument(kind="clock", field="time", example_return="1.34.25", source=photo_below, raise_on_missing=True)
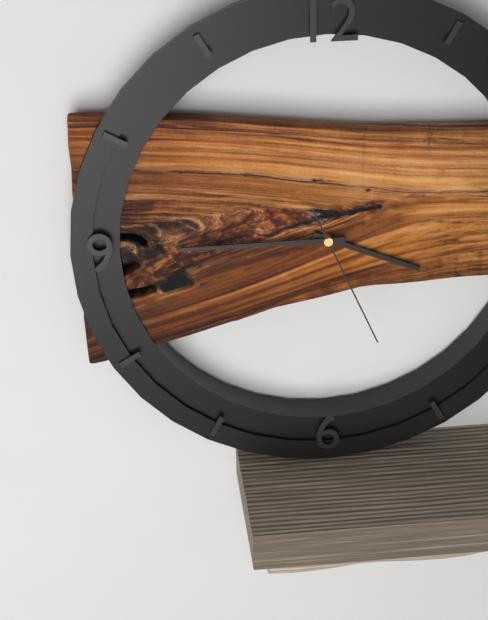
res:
3.45.26
